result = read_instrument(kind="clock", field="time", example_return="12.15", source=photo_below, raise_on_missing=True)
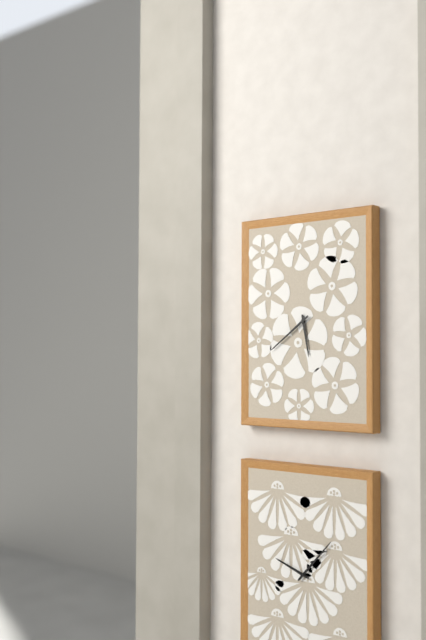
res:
5.39
